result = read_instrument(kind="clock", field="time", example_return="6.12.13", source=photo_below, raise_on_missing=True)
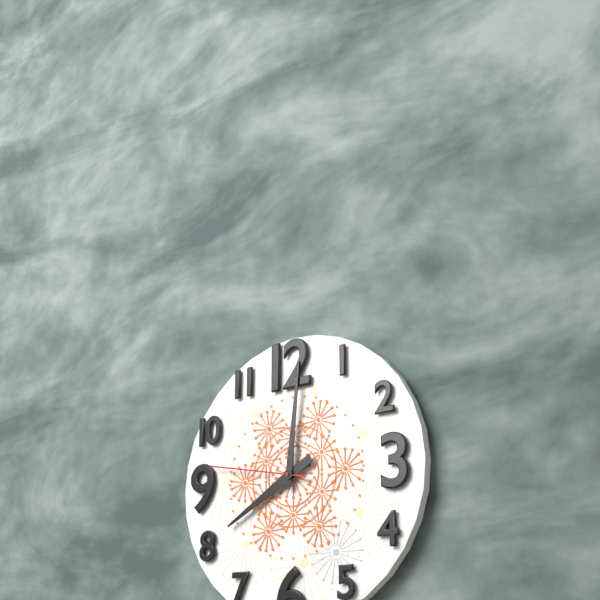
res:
8.01.47
